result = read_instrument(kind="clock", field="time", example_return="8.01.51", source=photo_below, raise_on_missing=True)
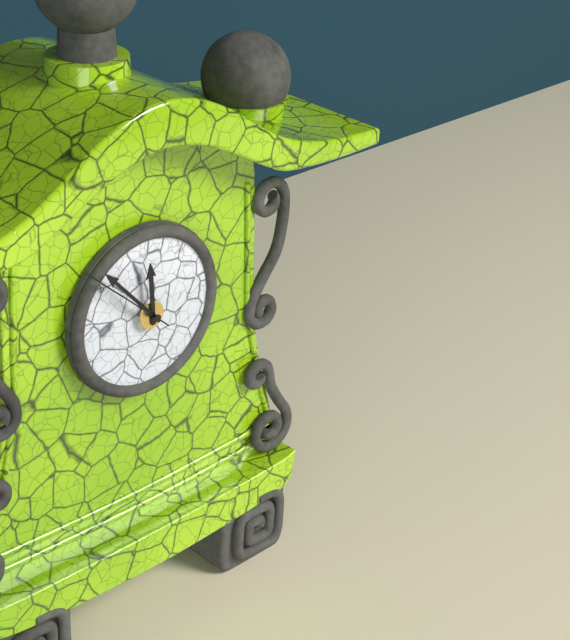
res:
11.53.52
